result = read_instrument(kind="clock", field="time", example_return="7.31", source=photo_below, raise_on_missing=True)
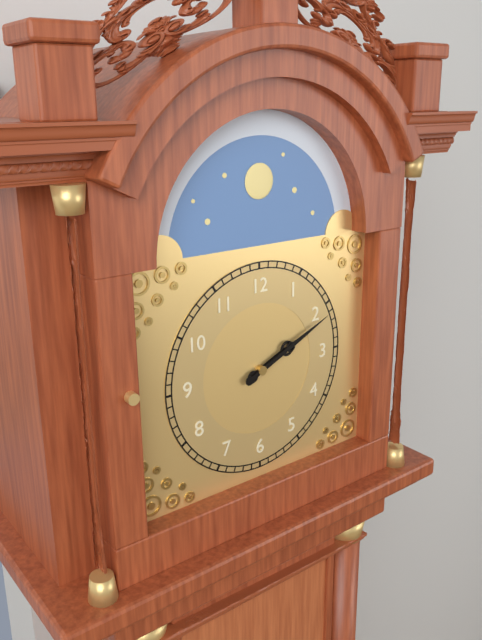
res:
2.11
